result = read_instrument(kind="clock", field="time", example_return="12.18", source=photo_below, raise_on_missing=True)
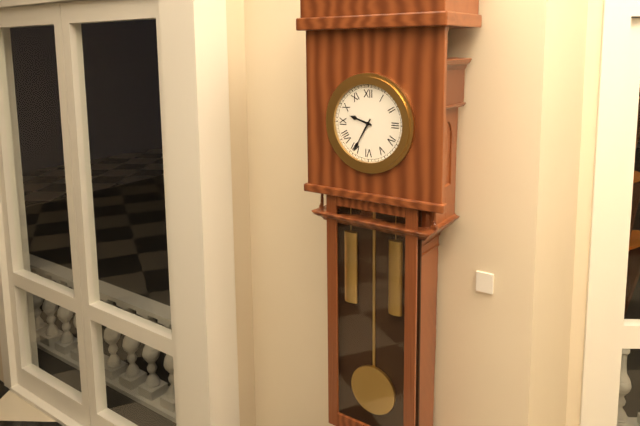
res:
9.35
